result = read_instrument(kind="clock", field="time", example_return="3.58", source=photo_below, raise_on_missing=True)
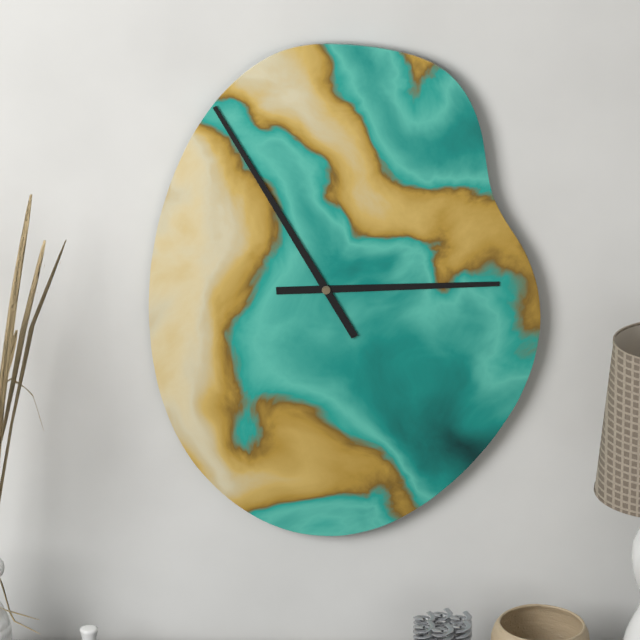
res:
2.55
